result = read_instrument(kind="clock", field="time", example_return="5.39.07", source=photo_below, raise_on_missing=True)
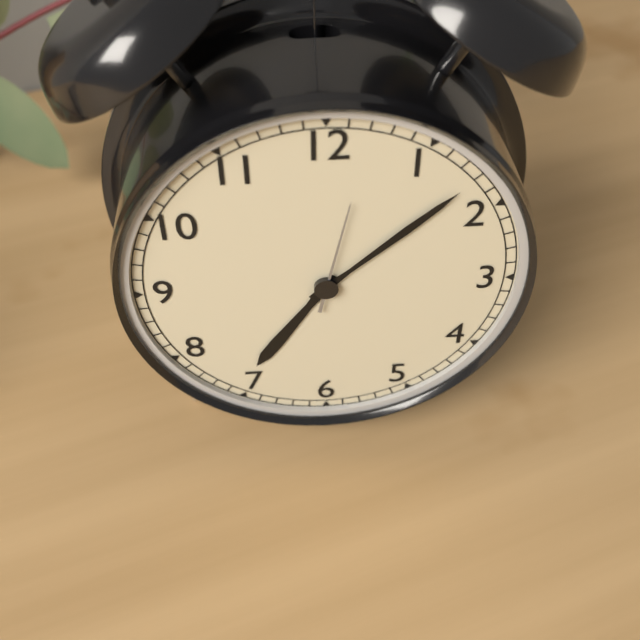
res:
7.08.02
